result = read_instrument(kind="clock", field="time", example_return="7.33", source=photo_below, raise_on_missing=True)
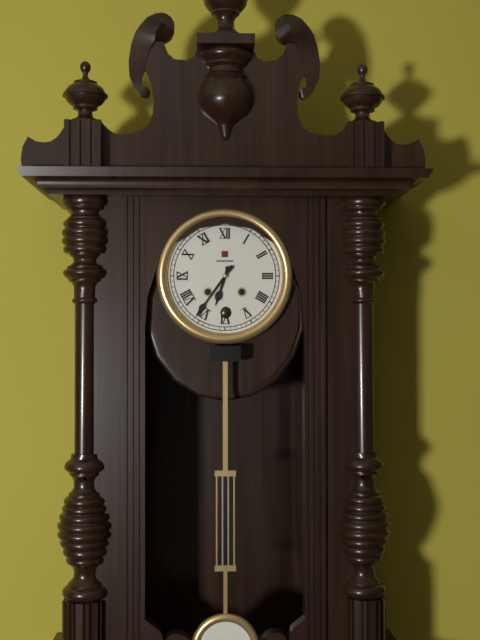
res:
6.36
